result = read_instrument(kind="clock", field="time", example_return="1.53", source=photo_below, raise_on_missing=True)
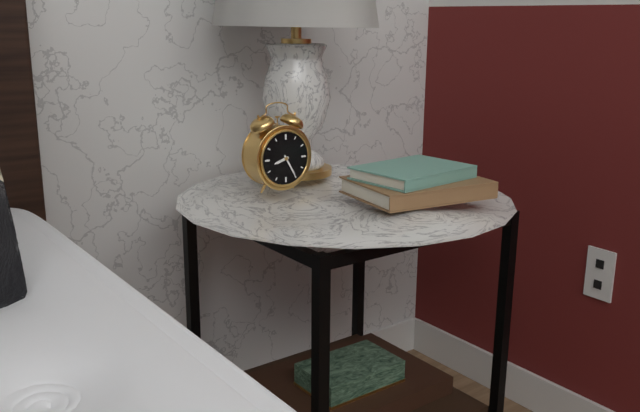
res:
8.25
